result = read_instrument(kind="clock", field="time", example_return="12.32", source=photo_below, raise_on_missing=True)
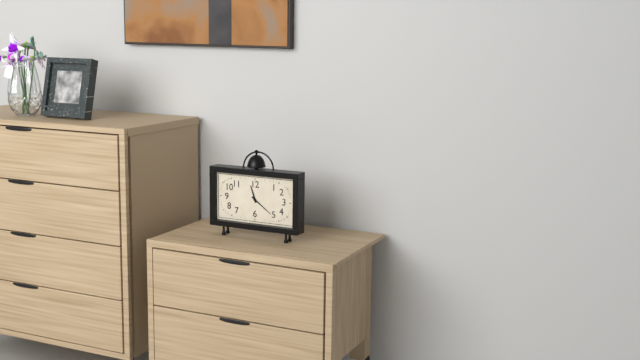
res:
11.21
